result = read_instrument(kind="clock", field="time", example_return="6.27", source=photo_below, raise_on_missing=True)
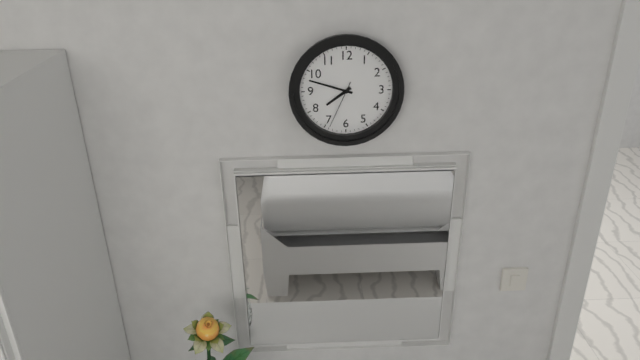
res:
7.48
